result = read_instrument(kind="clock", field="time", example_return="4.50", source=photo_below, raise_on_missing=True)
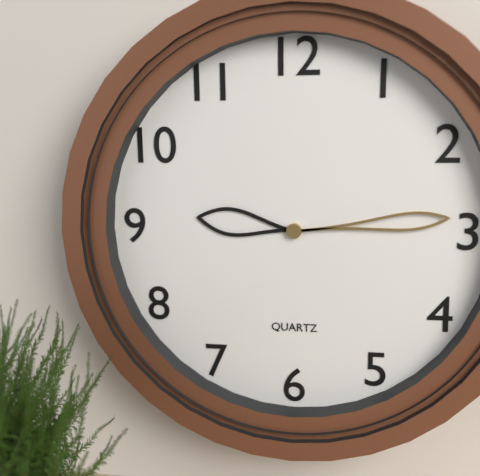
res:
9.14
